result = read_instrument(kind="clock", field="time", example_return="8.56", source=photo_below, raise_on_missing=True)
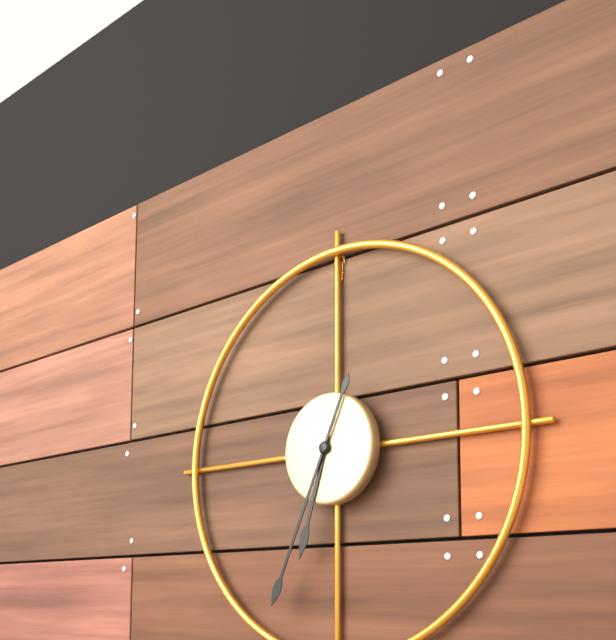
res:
6.34
